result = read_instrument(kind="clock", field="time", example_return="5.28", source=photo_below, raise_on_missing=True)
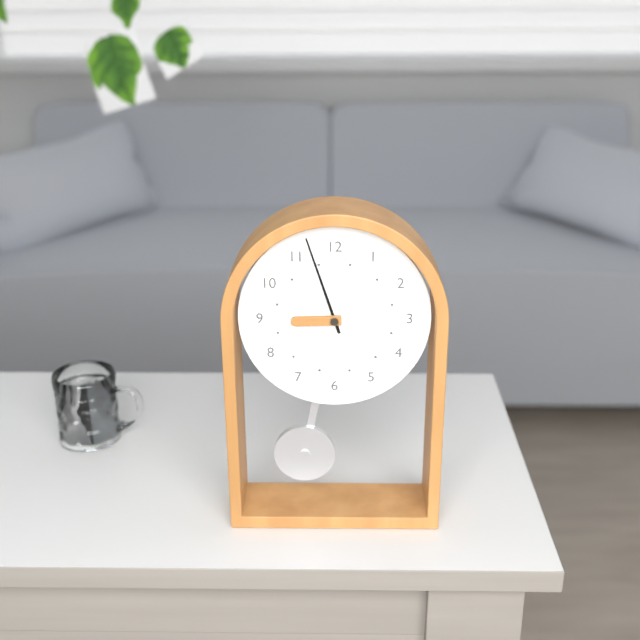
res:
8.57
